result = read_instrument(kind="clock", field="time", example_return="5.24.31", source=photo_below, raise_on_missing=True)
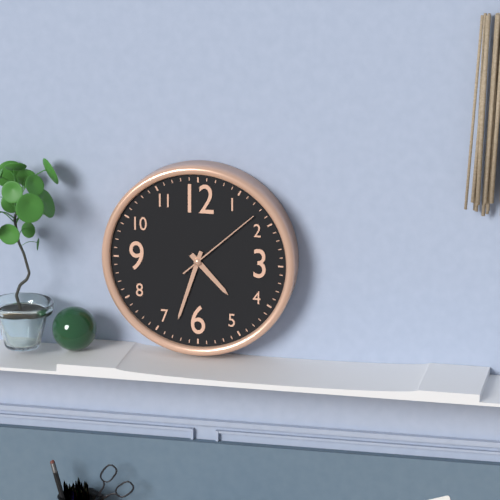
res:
4.33.08
